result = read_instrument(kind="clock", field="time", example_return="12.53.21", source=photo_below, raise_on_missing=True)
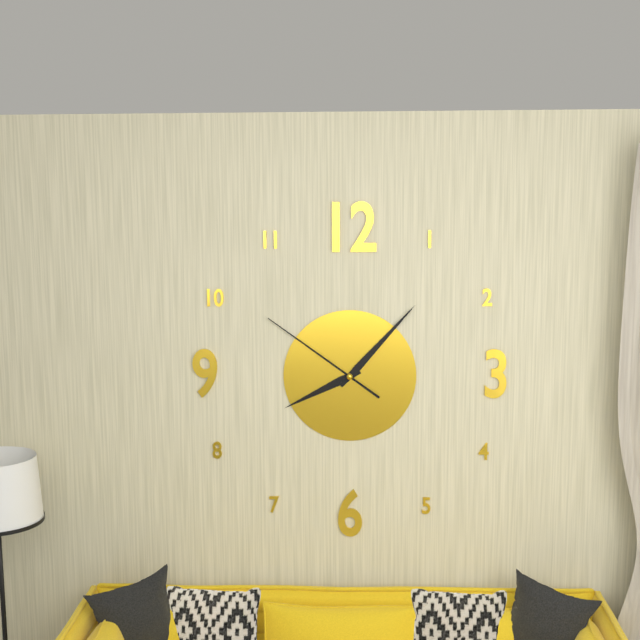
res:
8.07.51
